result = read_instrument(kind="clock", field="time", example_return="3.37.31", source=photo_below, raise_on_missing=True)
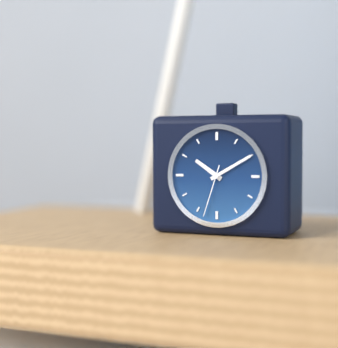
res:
10.10.33
